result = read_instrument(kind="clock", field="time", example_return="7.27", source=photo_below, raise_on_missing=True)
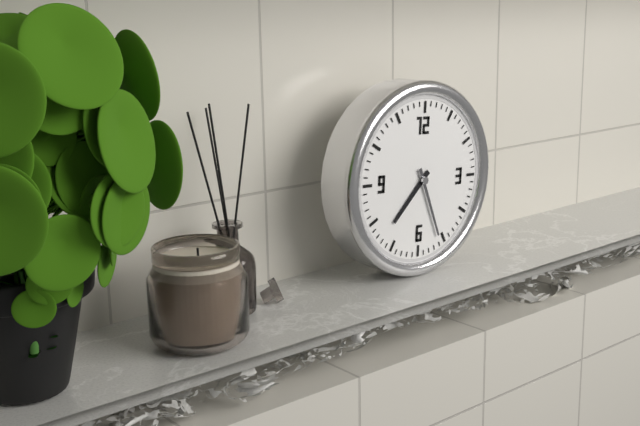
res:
7.26
